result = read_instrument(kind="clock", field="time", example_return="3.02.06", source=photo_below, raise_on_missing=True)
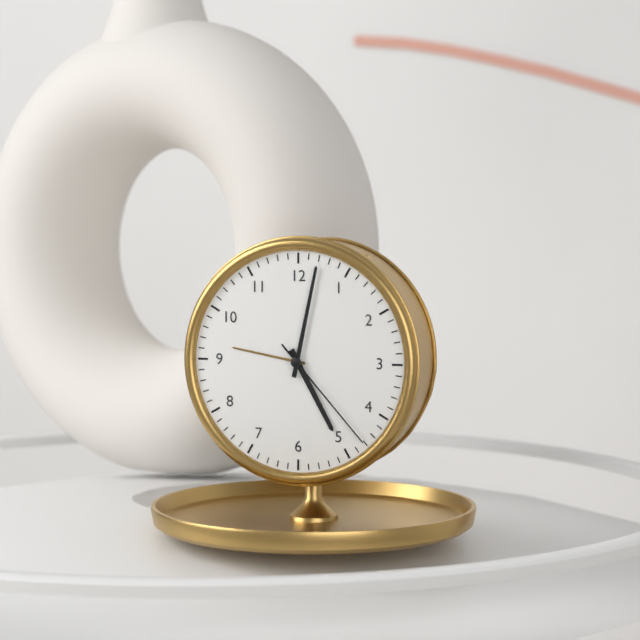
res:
5.02.23
